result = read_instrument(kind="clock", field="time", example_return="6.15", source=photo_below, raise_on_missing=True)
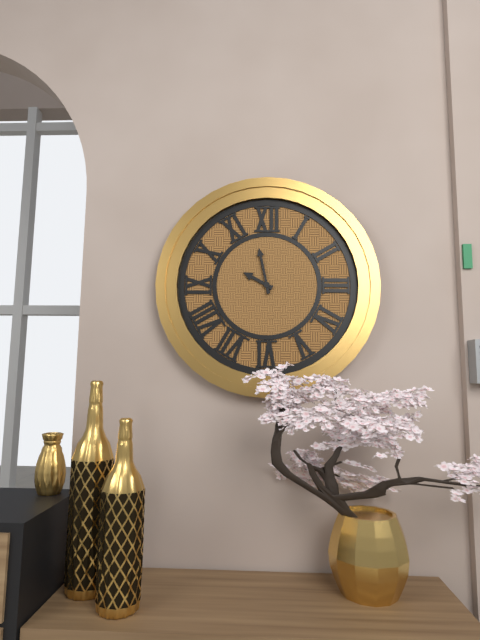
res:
9.58
